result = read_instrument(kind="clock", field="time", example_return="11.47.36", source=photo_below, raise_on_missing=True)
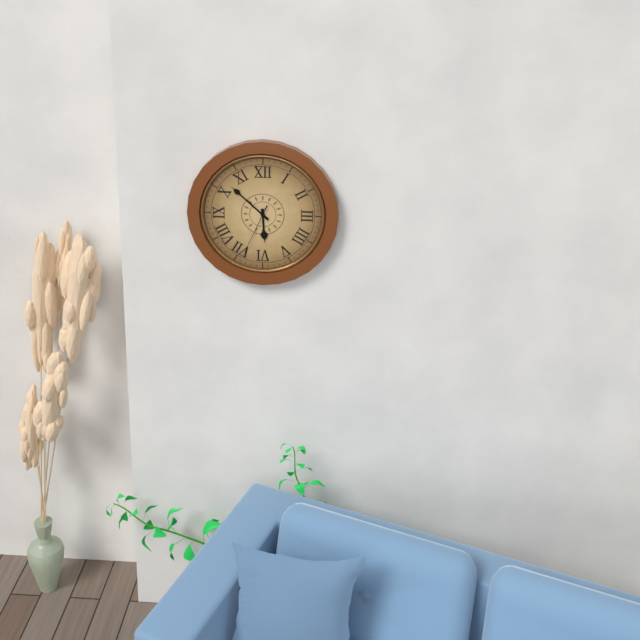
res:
5.52.34
